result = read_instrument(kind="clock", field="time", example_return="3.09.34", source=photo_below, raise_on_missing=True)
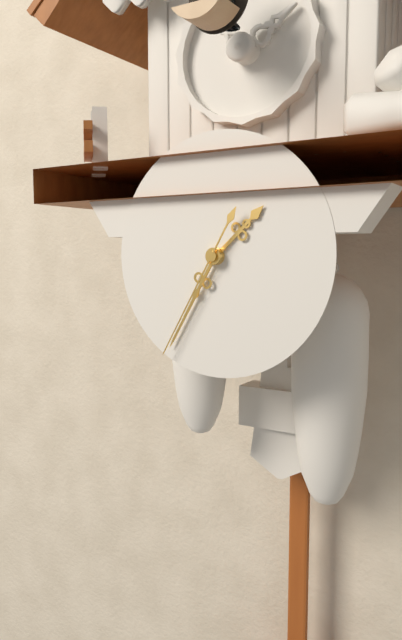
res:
1.35.35
